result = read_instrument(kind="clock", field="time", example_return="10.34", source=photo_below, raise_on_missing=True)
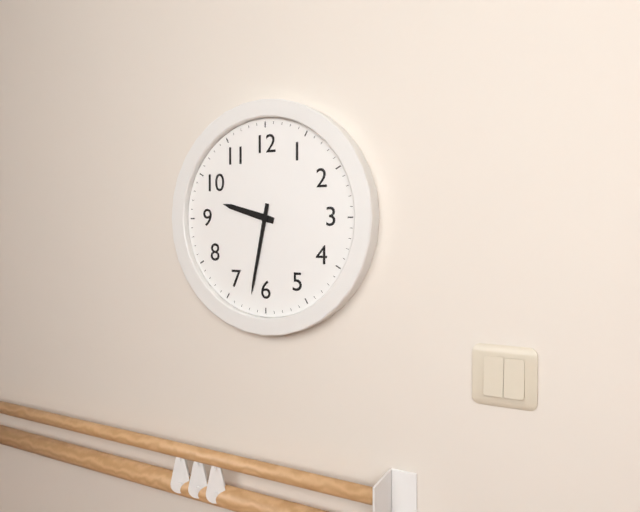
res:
9.32
